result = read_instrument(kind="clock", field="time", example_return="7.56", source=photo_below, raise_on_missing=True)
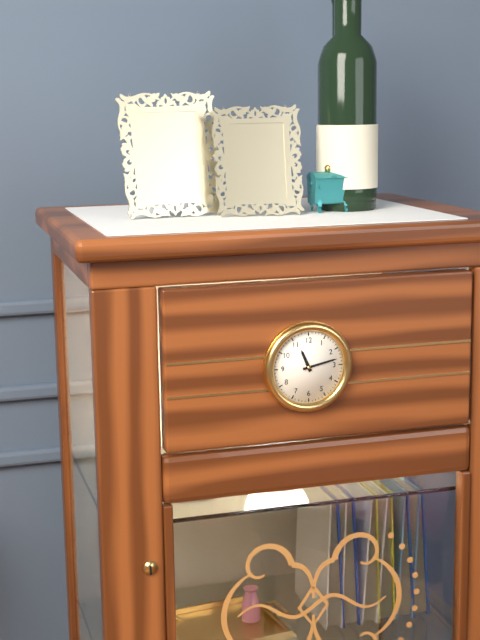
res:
11.13
